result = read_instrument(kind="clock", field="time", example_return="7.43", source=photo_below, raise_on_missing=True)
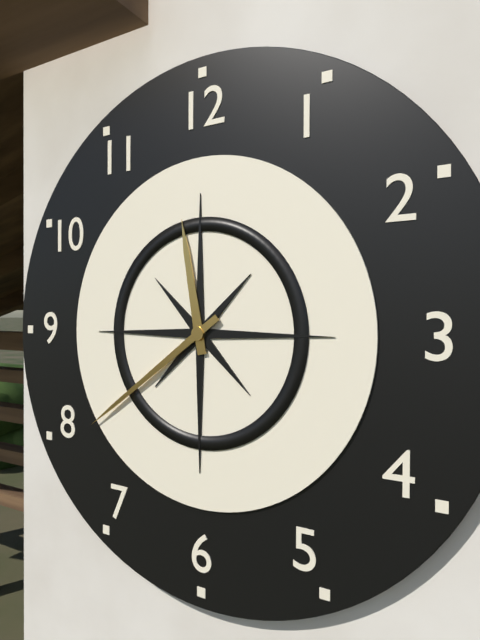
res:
11.39
